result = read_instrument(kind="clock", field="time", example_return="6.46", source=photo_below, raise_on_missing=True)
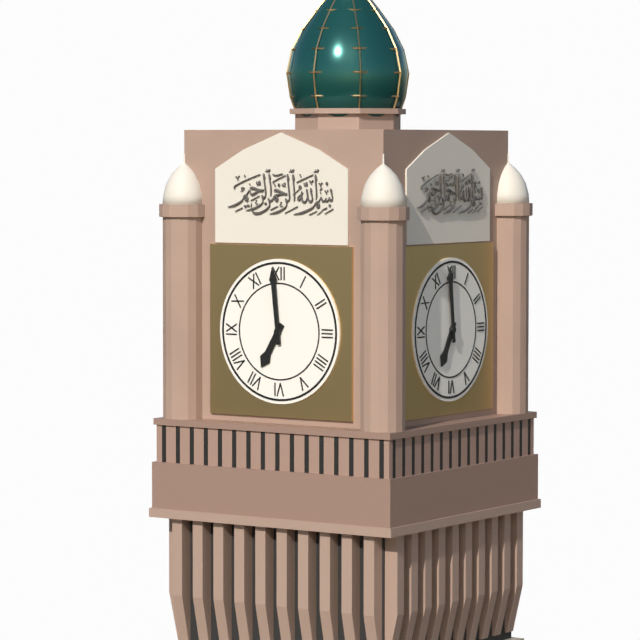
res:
6.59
